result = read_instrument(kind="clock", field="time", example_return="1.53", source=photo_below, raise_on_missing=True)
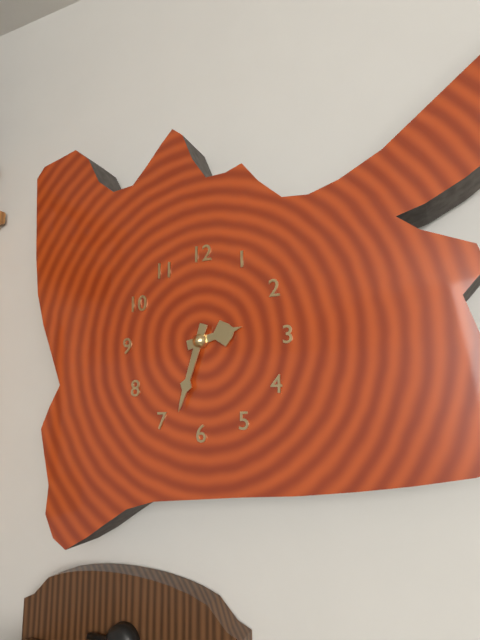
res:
2.33
